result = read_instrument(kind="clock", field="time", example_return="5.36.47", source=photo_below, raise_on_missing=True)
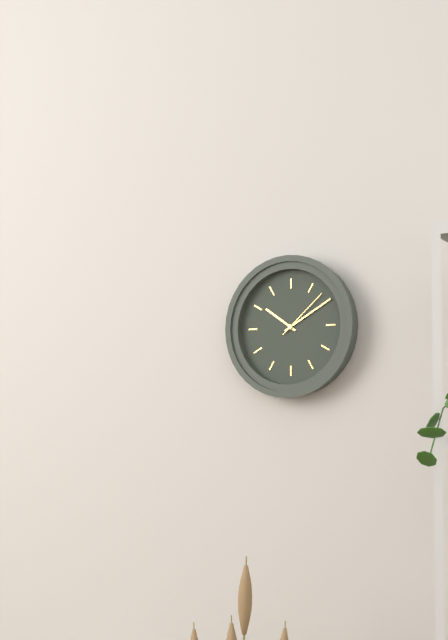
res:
10.10.08
